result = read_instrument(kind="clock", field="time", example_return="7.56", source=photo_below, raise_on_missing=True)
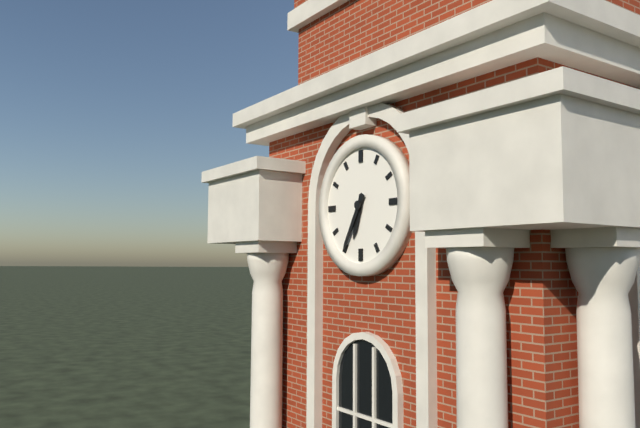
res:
6.35
